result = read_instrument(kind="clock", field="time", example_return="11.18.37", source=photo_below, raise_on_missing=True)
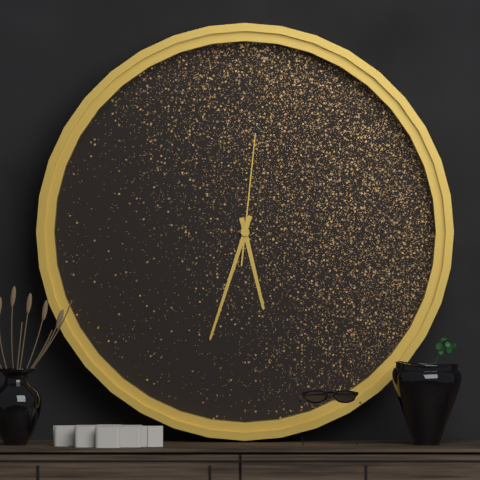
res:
5.33.01
